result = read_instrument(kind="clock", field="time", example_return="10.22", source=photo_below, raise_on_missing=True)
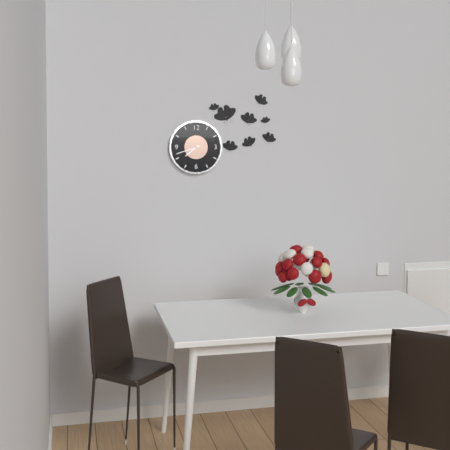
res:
7.42
